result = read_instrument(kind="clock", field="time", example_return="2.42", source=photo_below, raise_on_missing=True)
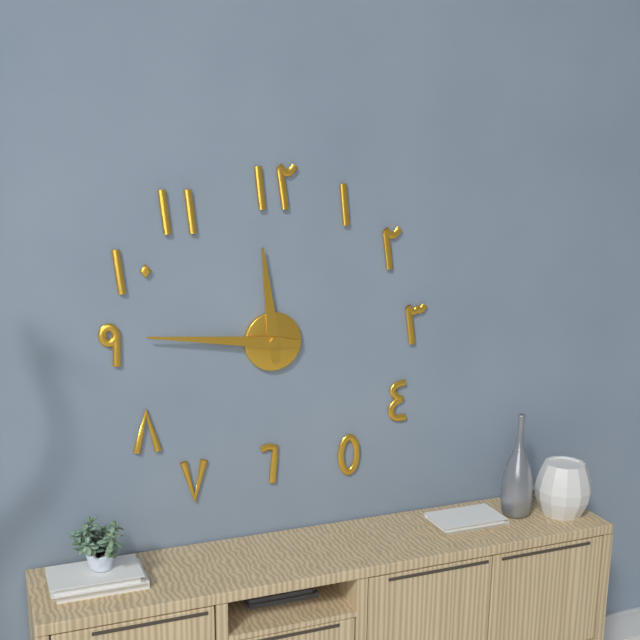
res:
11.46
